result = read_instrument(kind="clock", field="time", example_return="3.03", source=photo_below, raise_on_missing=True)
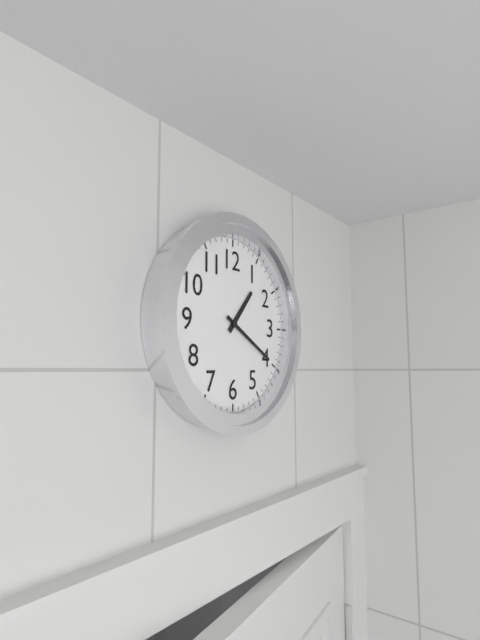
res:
1.20
